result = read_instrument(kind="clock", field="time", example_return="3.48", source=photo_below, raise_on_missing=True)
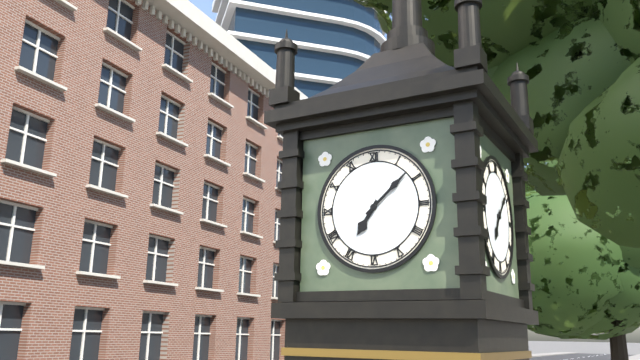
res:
7.08
